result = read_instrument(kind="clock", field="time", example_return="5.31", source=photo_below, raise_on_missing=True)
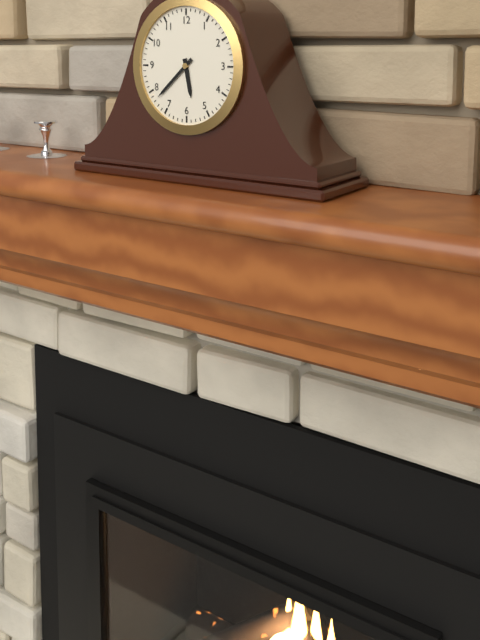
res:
5.38
